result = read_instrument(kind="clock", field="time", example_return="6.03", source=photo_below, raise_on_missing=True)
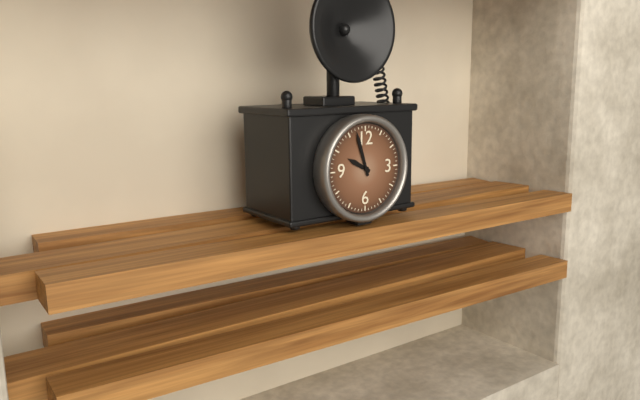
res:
9.57
